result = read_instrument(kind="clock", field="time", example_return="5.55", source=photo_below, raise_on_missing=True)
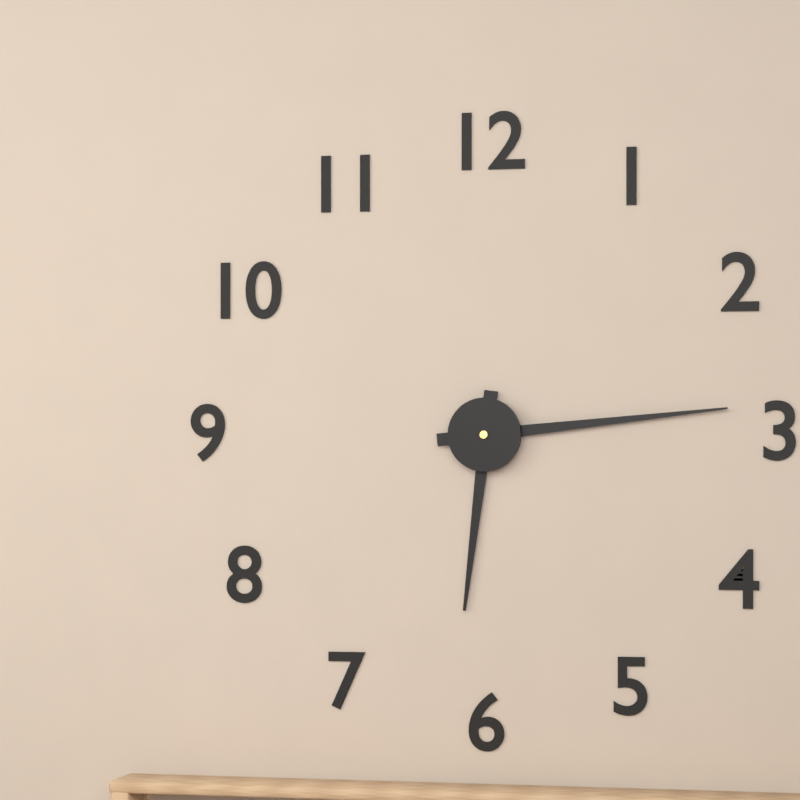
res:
6.14
